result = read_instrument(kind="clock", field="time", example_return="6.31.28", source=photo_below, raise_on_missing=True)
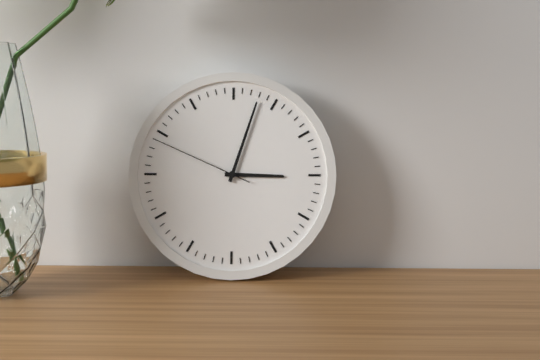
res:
3.03.49
